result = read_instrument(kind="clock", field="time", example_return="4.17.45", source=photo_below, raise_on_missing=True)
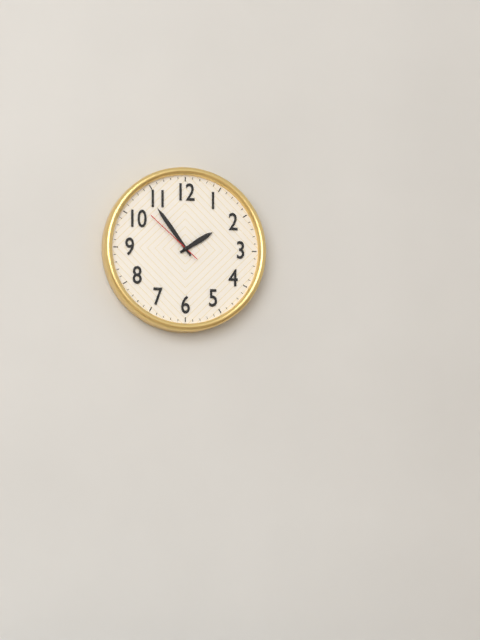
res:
1.54.52
